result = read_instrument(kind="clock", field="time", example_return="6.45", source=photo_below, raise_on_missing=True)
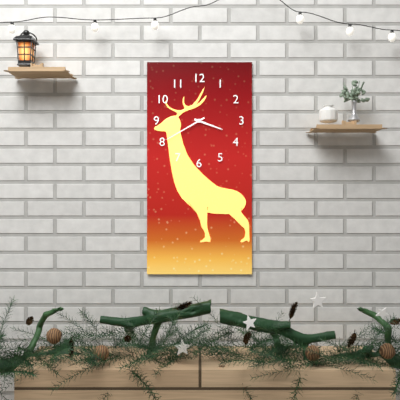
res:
3.40
